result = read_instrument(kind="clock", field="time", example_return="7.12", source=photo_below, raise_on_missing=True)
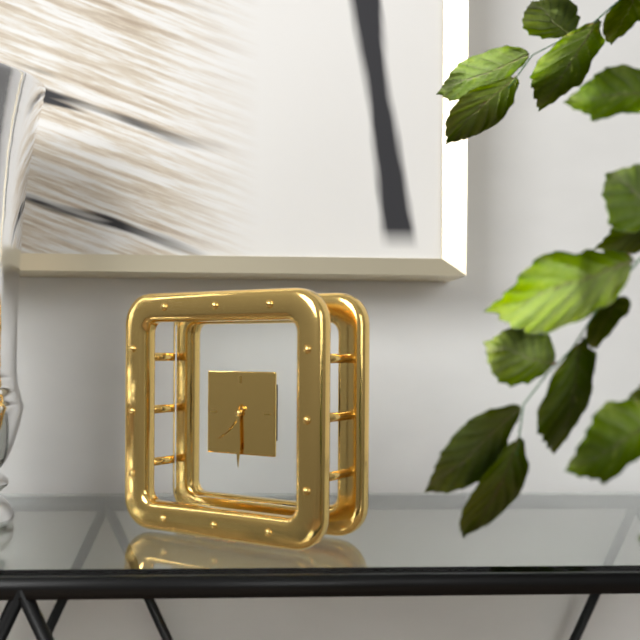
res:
7.30
